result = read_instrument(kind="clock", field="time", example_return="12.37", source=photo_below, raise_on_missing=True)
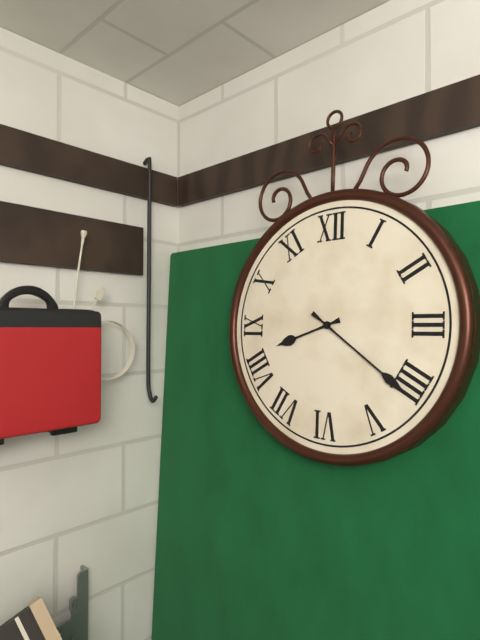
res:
8.21
